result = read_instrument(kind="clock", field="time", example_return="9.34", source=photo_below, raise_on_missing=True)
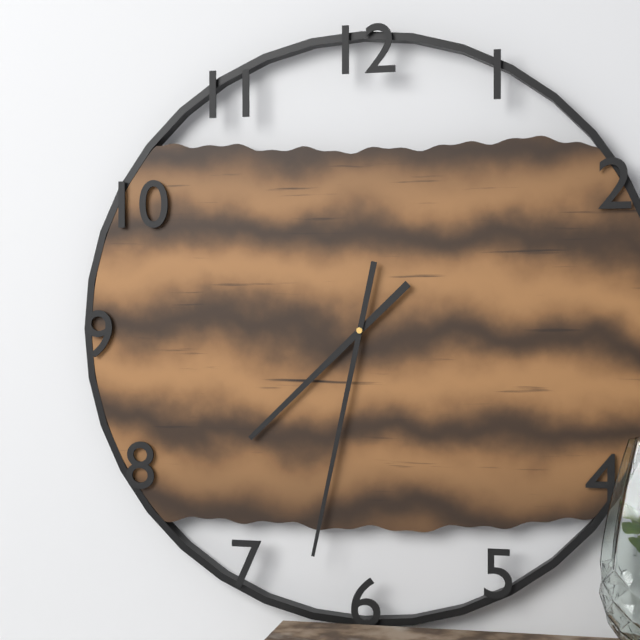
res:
7.32
